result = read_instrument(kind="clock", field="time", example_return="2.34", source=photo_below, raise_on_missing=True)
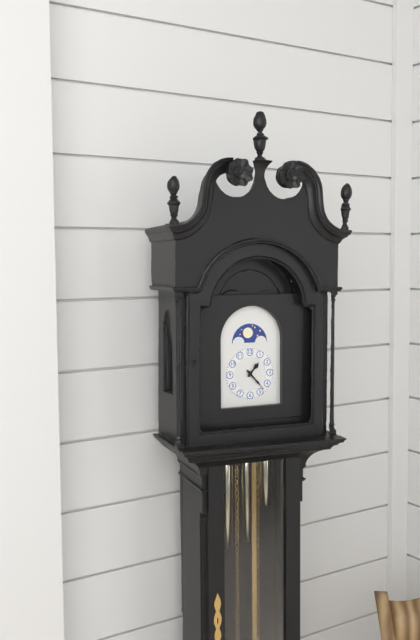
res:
1.23
